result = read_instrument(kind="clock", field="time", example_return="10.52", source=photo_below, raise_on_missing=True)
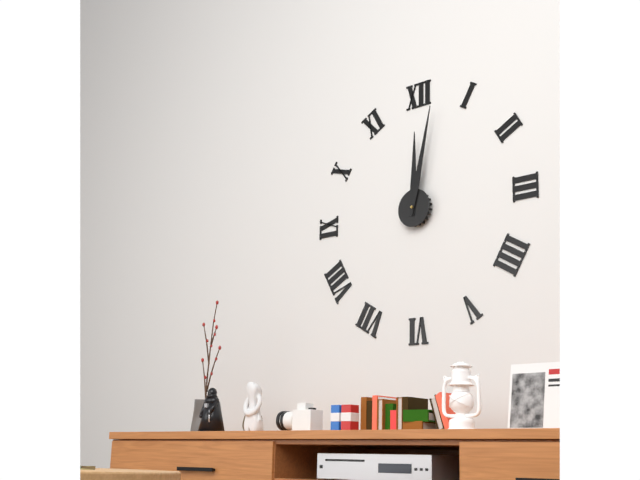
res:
12.02
